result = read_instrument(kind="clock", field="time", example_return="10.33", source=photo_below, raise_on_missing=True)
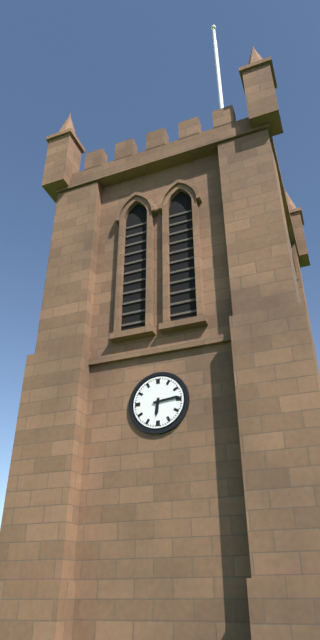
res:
6.14
